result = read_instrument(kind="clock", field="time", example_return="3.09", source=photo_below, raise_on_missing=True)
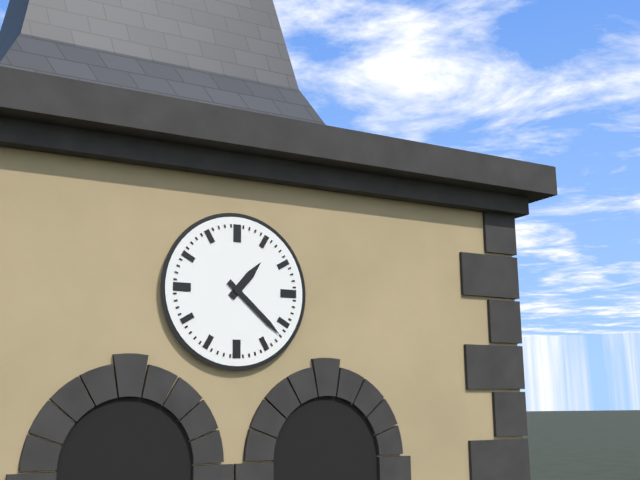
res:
1.22
